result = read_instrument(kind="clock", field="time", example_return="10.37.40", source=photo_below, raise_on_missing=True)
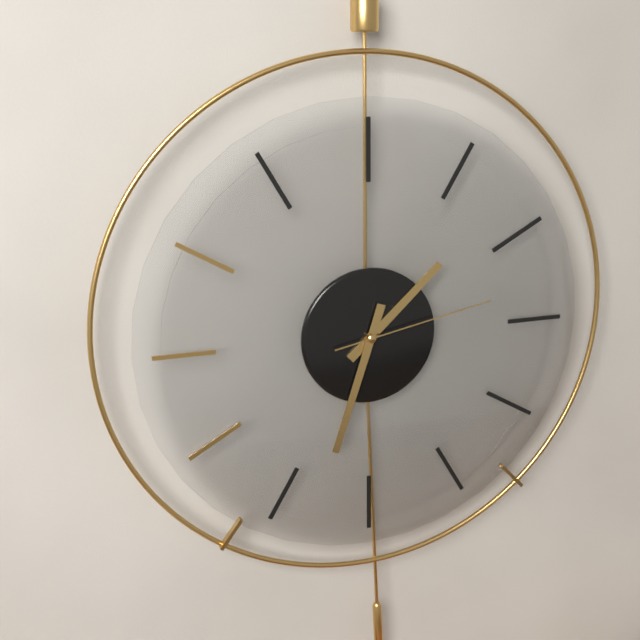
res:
1.33.13
